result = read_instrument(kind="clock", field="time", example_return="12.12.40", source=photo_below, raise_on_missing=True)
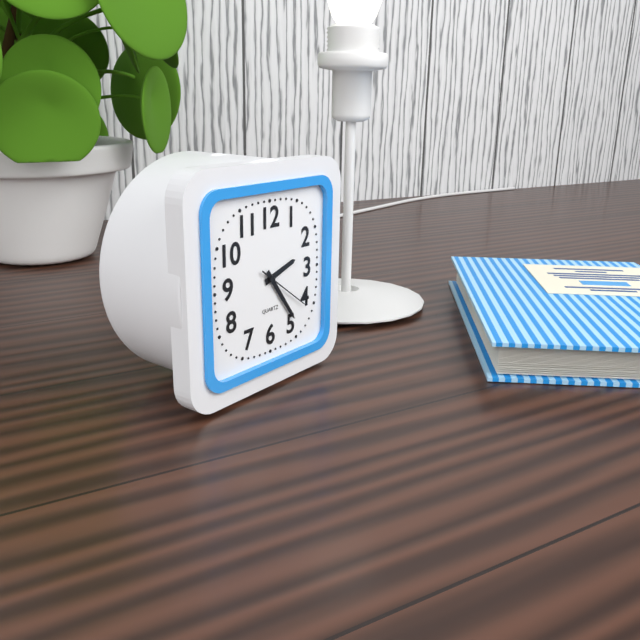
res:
2.24.21
